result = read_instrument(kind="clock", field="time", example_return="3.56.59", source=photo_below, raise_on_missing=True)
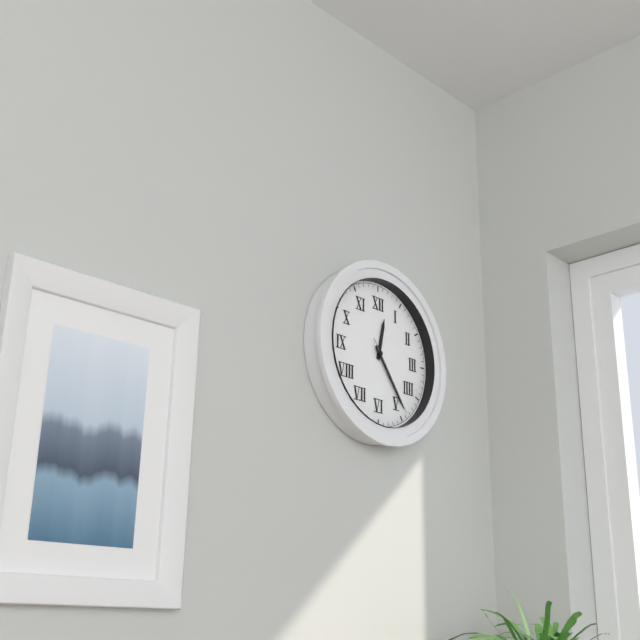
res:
12.24.24
